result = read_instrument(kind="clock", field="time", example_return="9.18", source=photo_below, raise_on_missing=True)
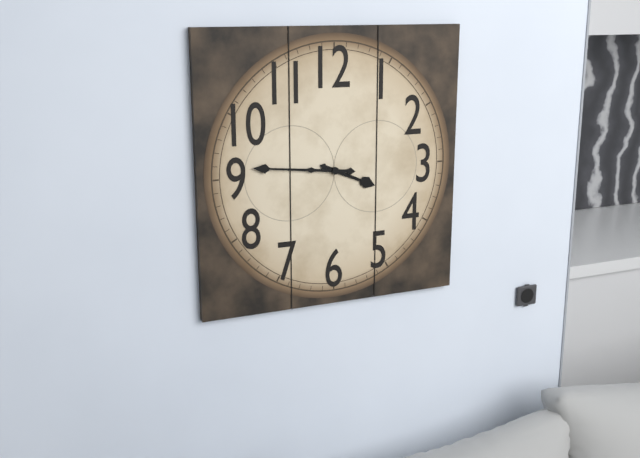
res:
3.46
